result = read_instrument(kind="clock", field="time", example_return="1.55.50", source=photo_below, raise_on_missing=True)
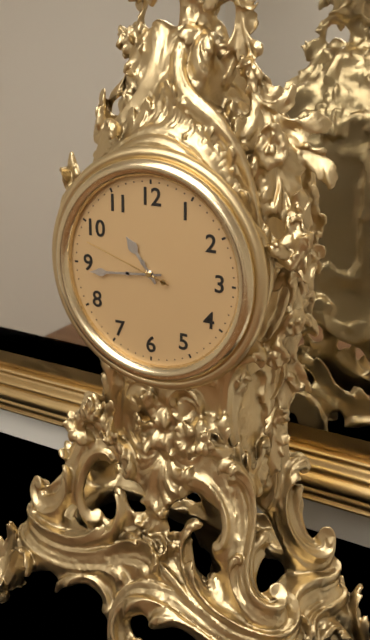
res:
10.44.48
